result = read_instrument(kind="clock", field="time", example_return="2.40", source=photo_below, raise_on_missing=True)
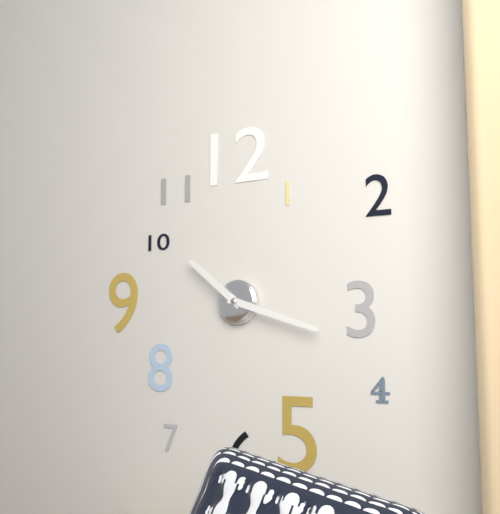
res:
10.18
